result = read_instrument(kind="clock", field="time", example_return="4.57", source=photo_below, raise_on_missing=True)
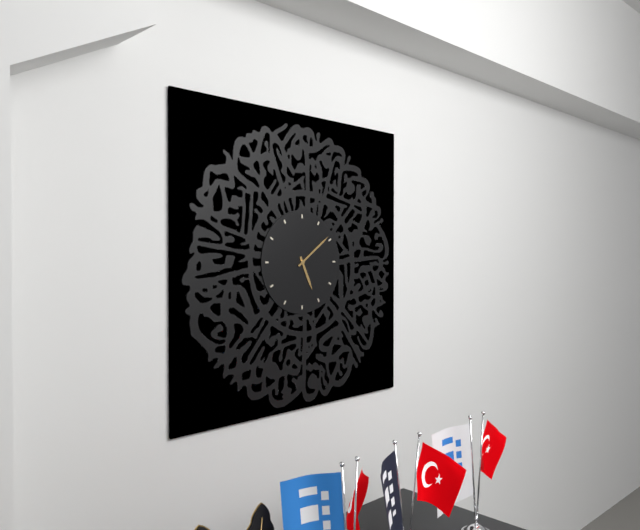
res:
5.09
